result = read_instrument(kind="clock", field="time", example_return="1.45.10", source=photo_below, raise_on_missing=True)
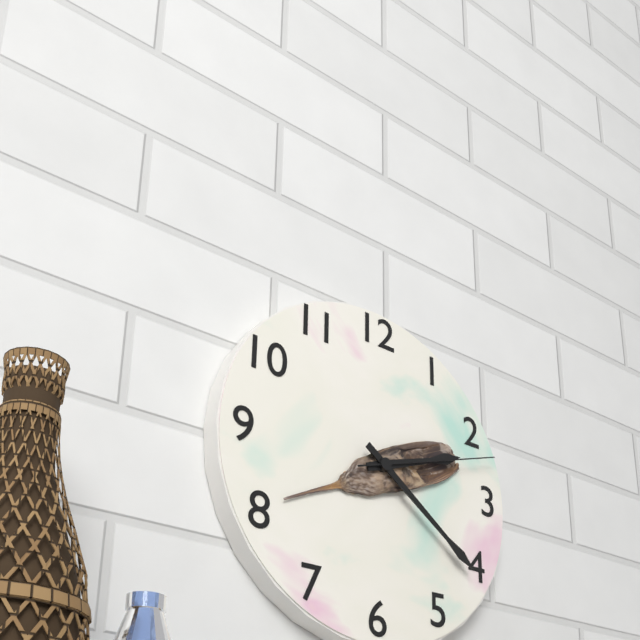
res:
2.21.12
